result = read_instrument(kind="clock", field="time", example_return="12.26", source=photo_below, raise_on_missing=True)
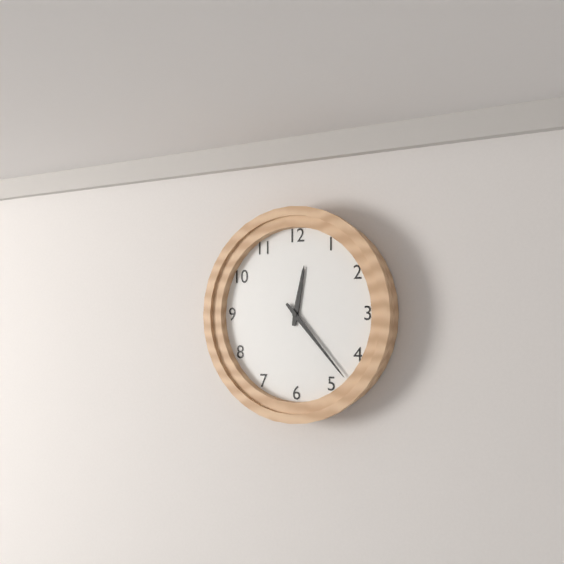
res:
12.23
